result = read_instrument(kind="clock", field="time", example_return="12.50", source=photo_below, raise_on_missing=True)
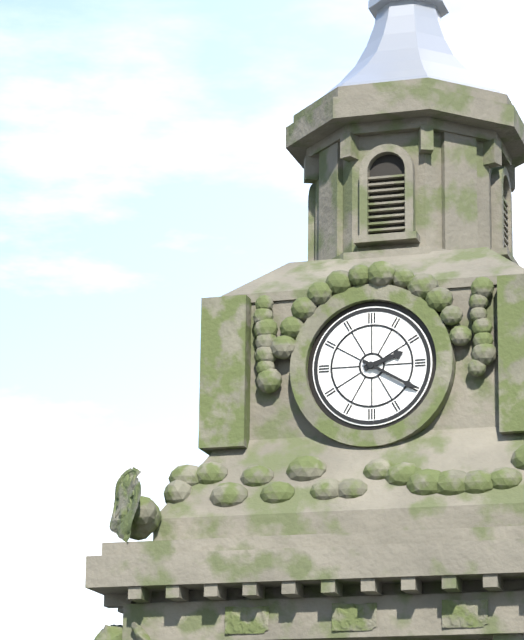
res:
2.20
